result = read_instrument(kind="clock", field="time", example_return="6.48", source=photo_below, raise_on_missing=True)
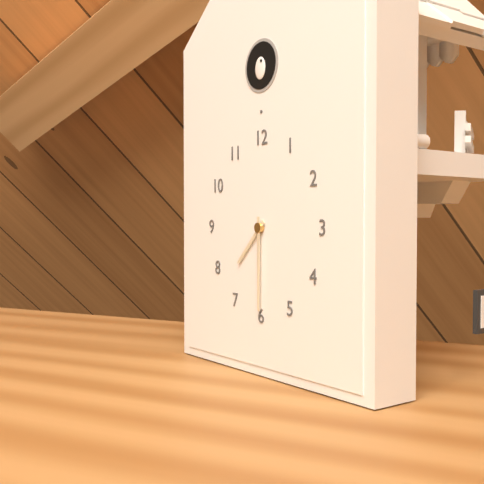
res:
7.30
